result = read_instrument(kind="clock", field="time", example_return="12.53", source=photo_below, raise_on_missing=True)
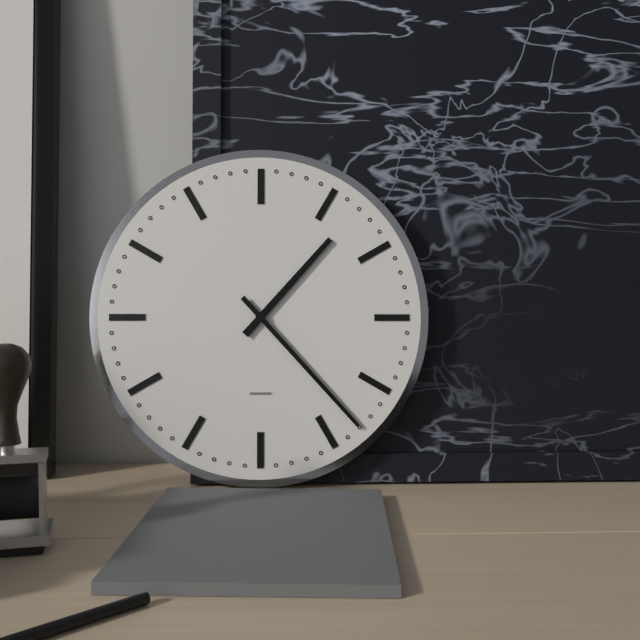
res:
1.23
